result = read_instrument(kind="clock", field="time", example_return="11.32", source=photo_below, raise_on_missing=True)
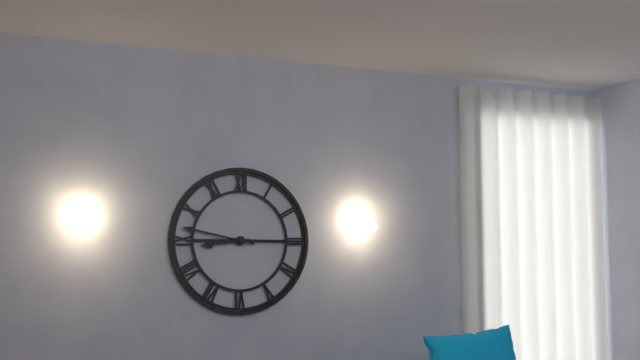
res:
8.47
